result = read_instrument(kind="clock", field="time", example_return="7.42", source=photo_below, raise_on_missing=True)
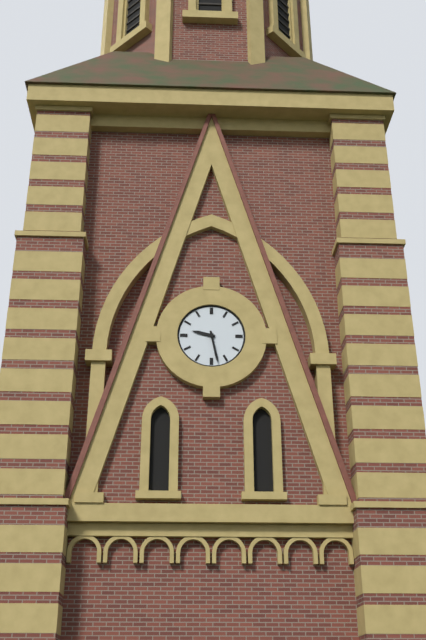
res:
9.28
